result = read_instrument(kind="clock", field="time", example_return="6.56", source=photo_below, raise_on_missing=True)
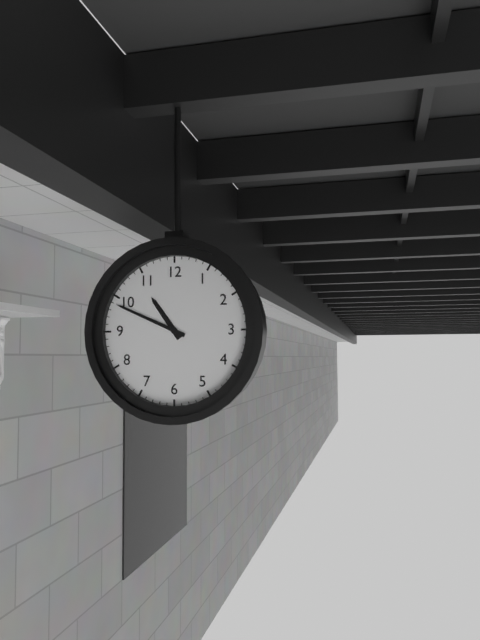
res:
10.49
